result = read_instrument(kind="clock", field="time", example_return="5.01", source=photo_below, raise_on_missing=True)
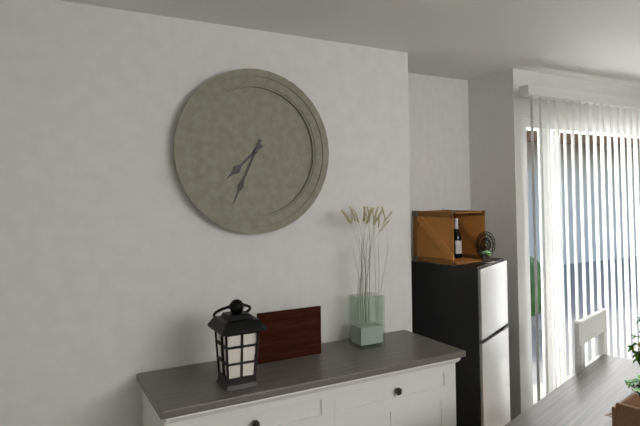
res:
7.34
